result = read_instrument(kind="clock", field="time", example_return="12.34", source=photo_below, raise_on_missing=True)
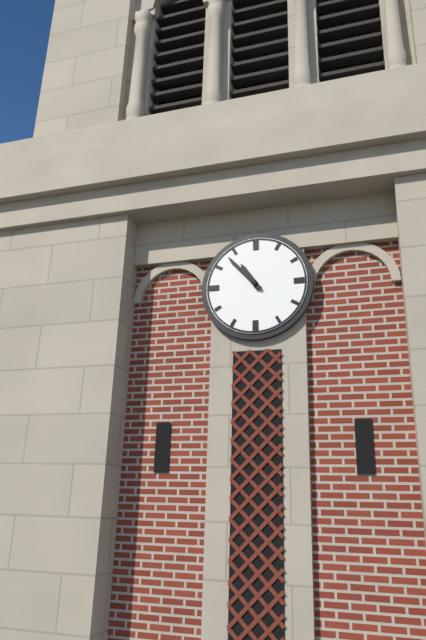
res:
10.53
